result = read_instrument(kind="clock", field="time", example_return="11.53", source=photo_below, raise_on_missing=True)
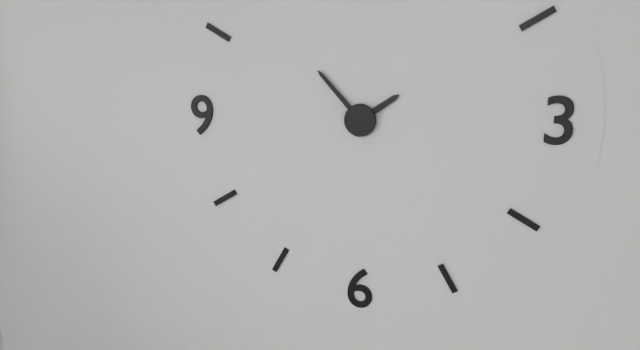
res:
1.53
